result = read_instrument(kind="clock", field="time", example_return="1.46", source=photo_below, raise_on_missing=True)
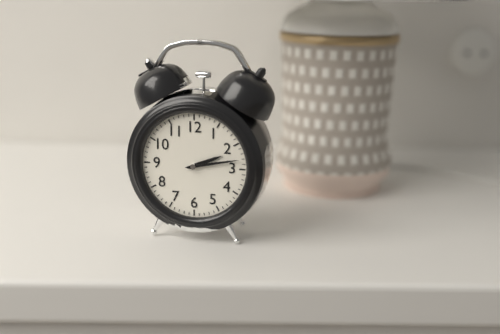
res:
2.13
